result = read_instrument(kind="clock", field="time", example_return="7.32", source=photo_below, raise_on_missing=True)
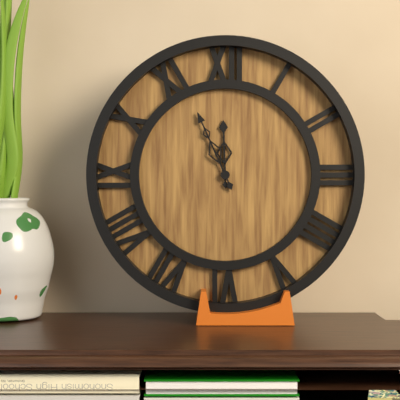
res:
11.56
